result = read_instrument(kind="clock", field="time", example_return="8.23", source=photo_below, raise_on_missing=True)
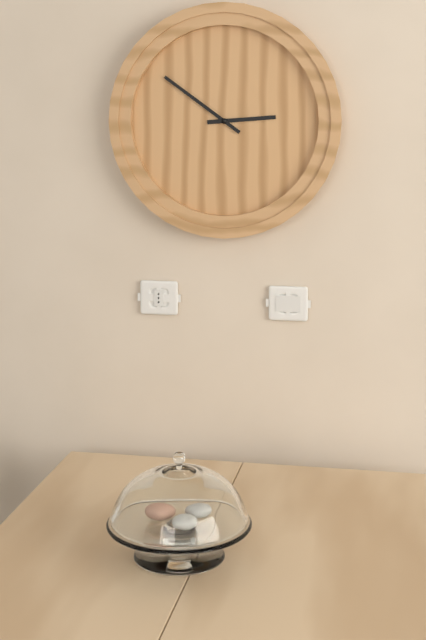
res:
2.51
